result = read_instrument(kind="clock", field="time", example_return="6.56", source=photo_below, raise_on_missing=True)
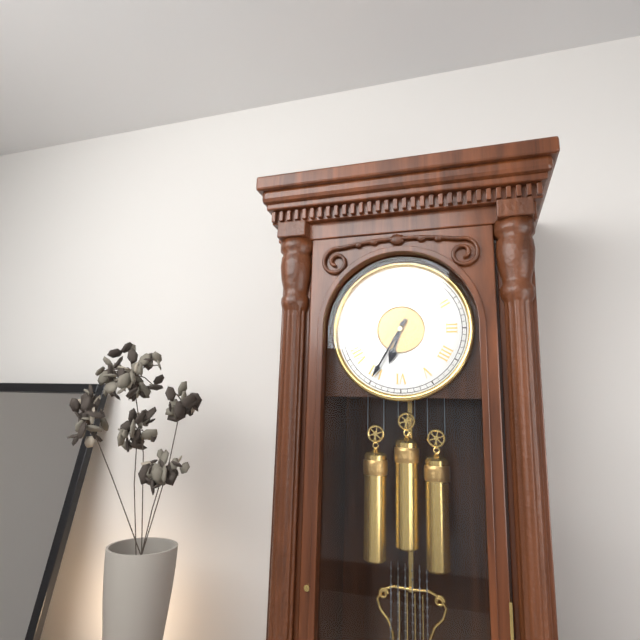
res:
6.35
